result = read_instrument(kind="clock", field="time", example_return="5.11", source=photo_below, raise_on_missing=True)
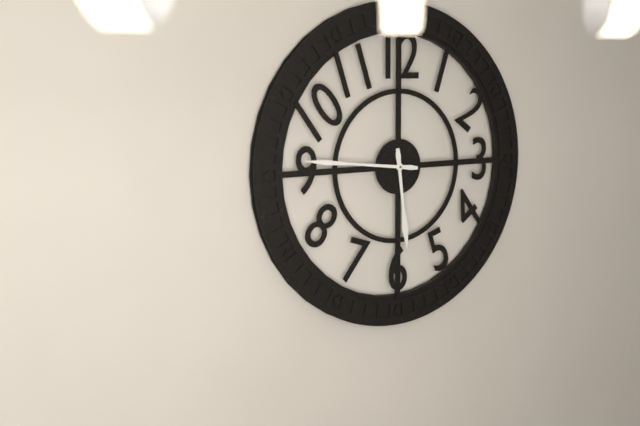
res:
5.46
